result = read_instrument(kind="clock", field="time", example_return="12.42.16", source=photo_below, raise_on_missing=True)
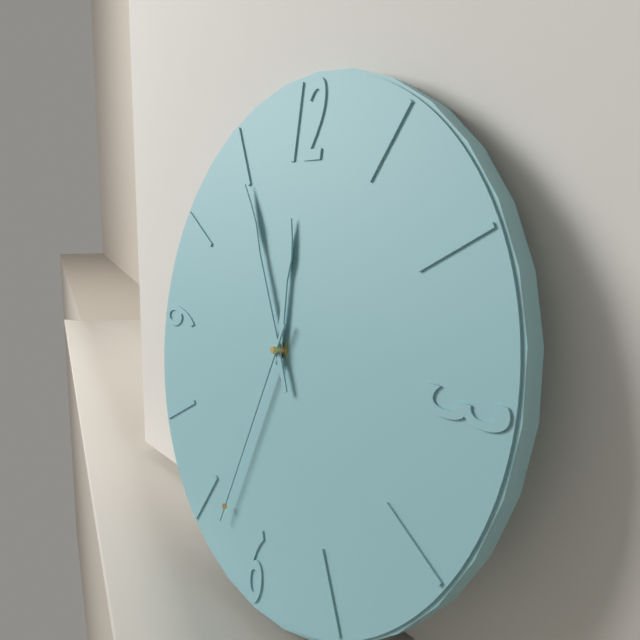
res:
11.55.33
